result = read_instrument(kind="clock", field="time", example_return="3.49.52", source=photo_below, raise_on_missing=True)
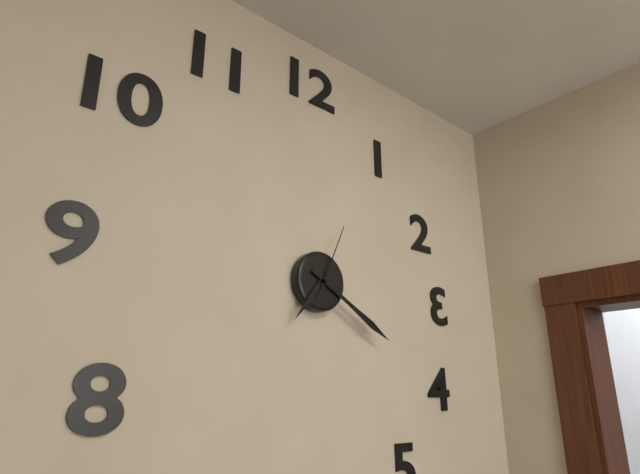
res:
7.20.04
